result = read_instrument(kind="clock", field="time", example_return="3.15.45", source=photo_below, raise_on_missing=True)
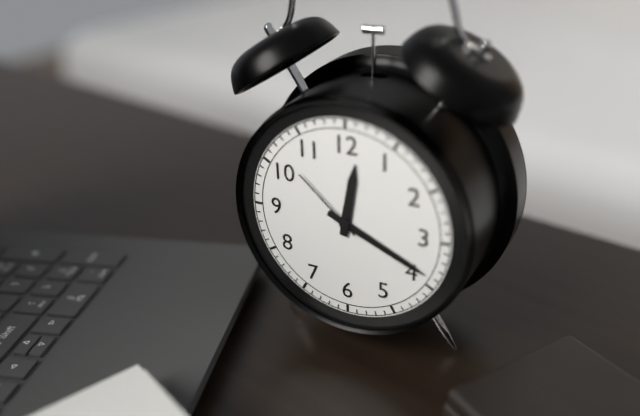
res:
12.19.52
